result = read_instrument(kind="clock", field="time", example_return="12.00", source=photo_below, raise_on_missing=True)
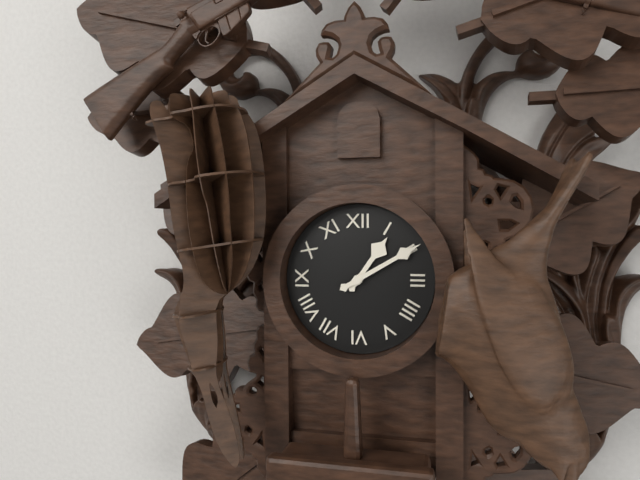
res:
1.10
